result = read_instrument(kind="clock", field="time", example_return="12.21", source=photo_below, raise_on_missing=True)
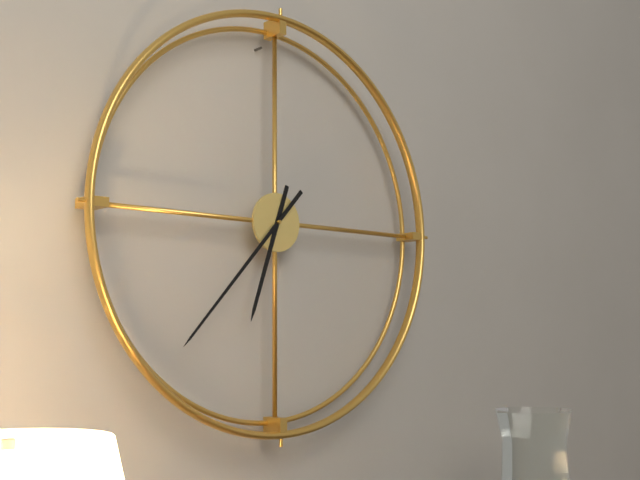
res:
6.37
